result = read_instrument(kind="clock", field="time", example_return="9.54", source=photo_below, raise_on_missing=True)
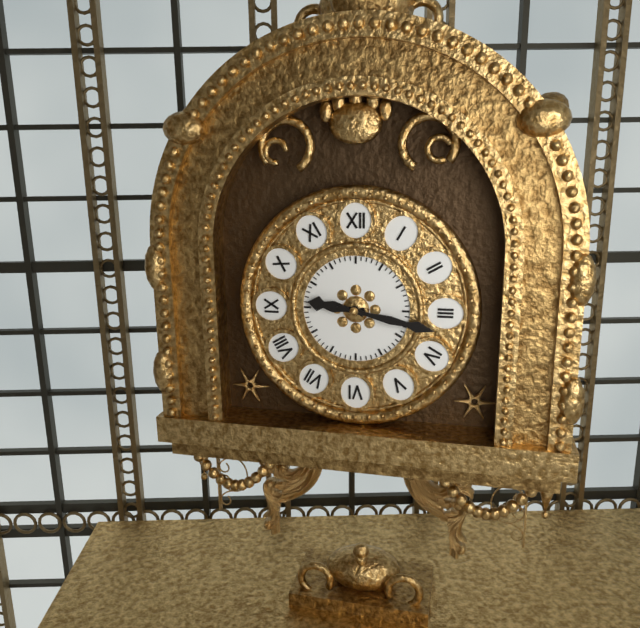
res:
9.17
